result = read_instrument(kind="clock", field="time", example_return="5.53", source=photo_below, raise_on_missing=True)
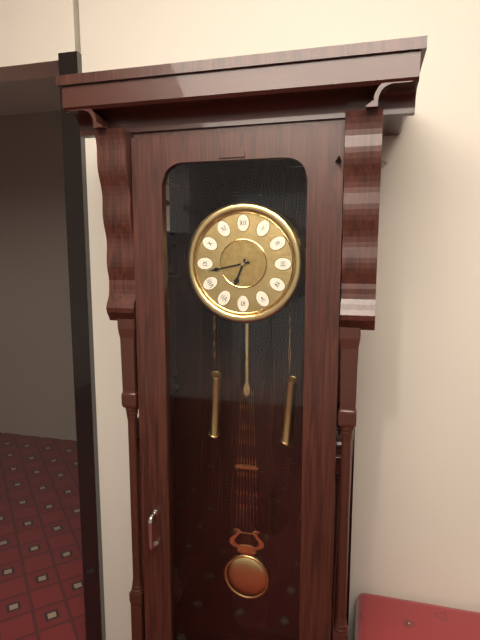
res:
6.43
